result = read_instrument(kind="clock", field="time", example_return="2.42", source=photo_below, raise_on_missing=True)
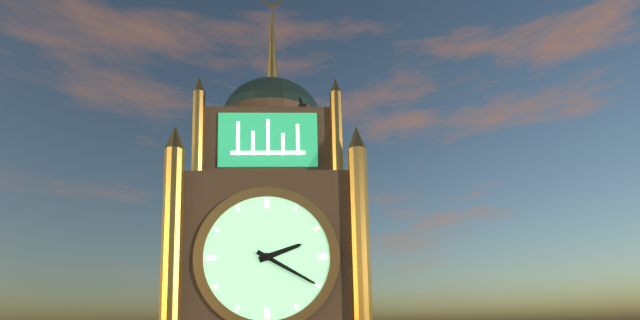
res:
2.20
